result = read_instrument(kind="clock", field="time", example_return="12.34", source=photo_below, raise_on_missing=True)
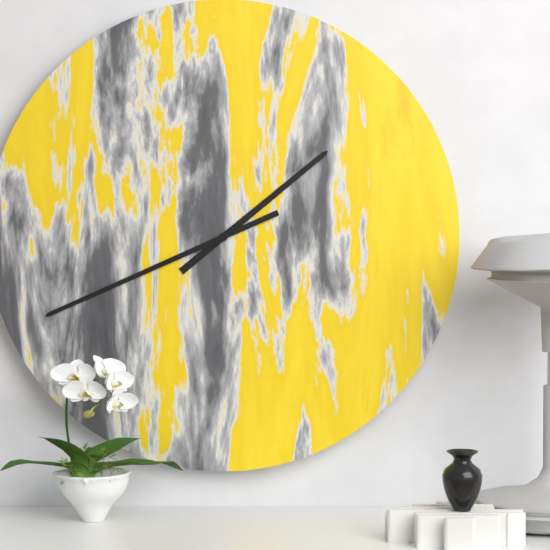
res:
1.41
